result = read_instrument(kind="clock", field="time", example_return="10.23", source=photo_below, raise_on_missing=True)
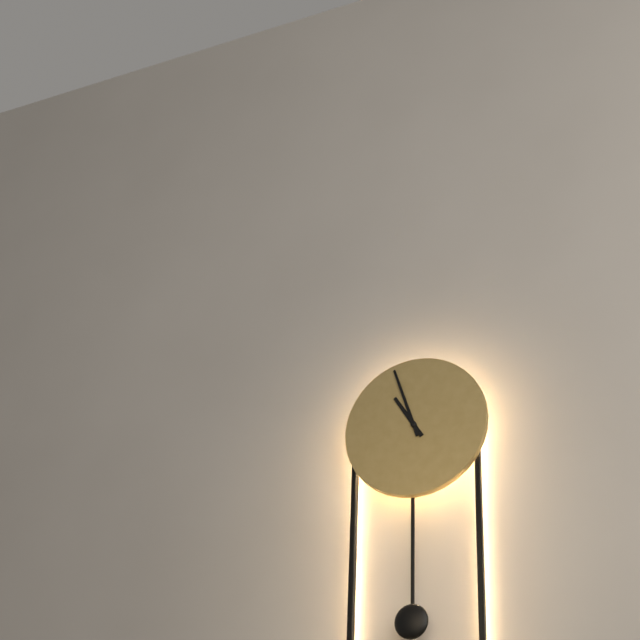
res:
10.57
